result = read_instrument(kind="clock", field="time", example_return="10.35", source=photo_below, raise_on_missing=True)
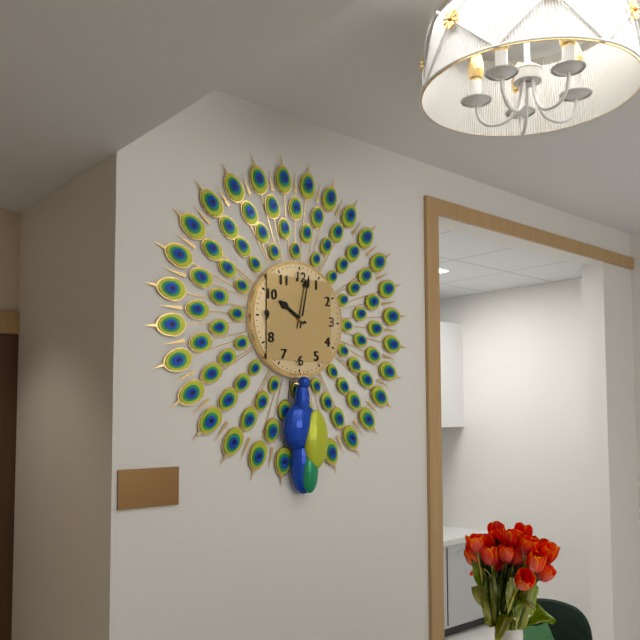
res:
10.02
